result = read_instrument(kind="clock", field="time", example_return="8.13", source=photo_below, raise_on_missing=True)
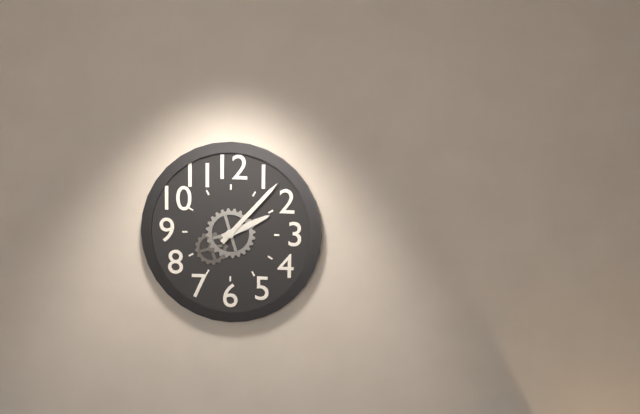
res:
2.07
